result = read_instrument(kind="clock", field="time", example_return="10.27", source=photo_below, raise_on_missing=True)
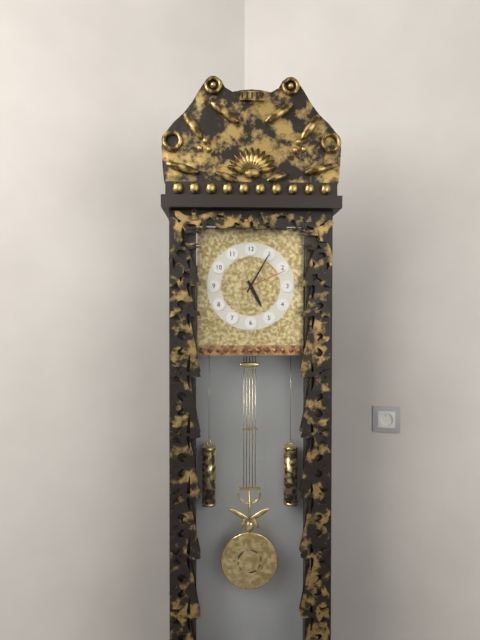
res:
5.05
